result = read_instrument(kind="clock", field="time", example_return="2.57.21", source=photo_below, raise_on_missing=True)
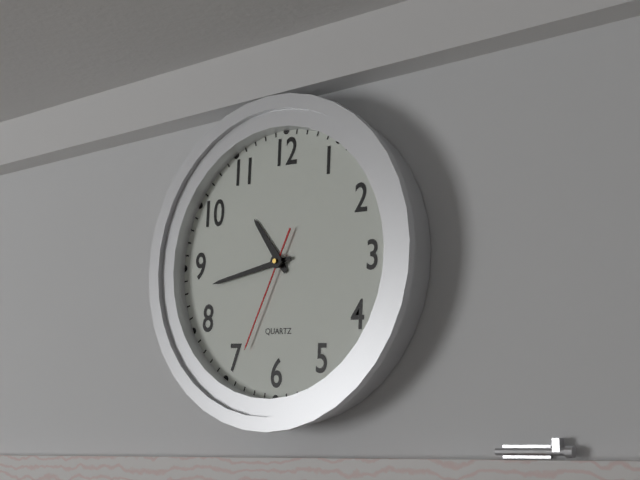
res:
10.43.34
